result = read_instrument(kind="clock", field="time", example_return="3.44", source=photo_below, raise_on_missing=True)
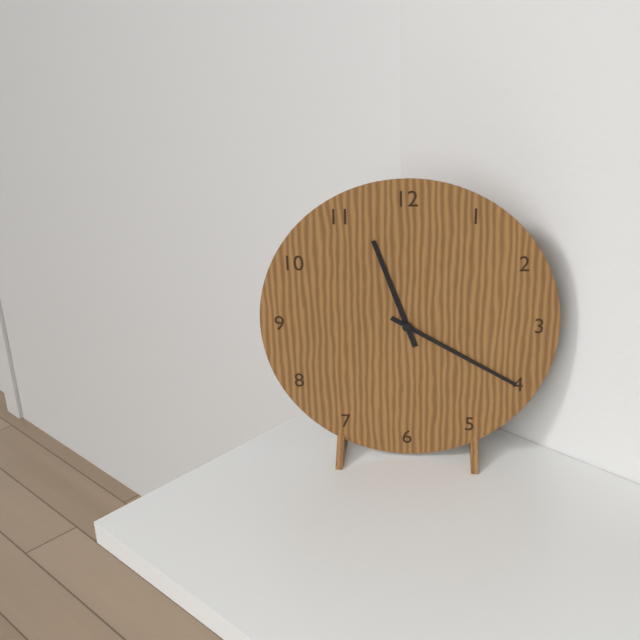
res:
11.20
